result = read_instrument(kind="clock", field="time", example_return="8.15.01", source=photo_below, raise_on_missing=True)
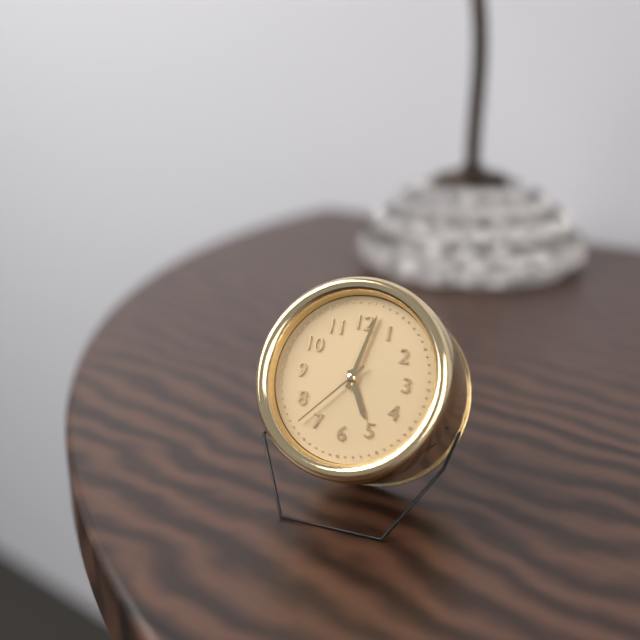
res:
5.02.37
